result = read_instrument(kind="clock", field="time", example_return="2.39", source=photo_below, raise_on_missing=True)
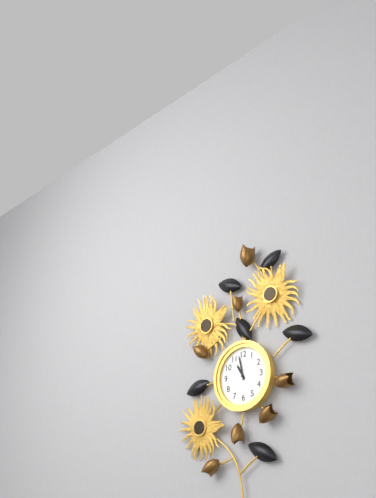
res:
10.58
